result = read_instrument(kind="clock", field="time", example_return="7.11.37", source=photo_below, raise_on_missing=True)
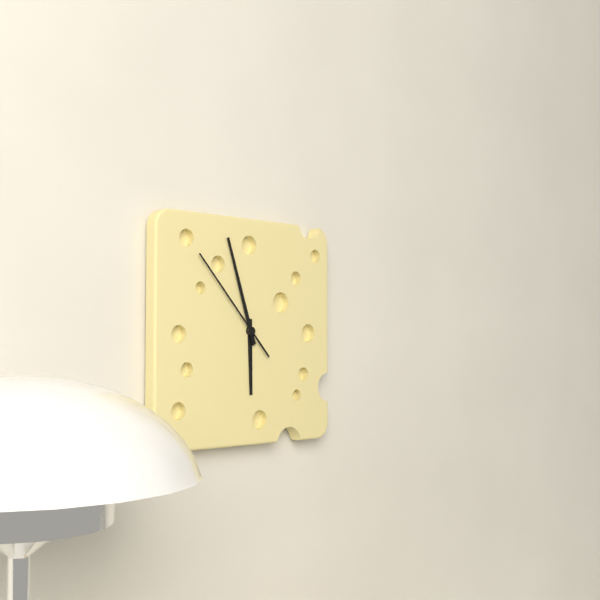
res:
5.57.53
